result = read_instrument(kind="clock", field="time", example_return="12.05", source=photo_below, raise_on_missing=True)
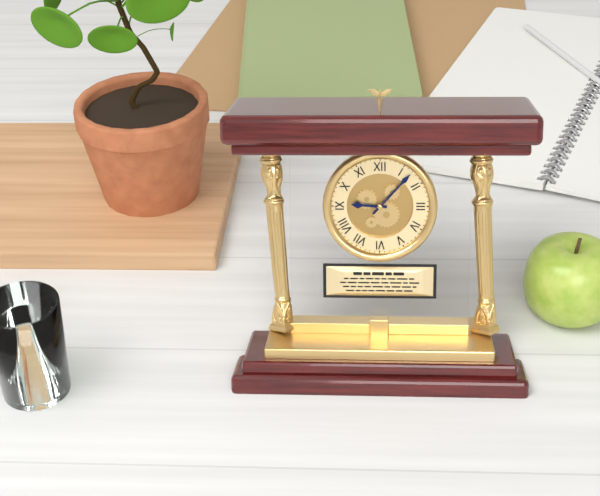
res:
9.07
